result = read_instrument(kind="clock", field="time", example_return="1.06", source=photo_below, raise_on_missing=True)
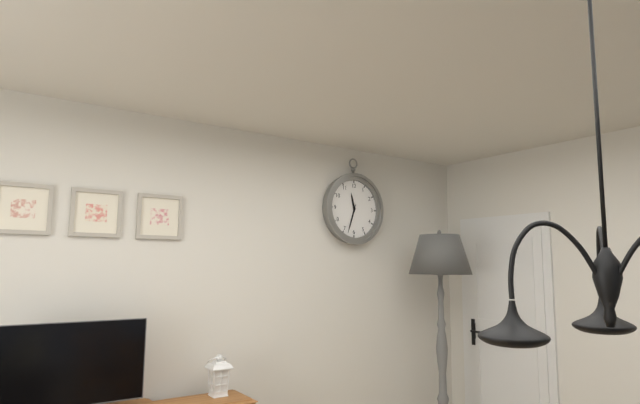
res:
11.33
